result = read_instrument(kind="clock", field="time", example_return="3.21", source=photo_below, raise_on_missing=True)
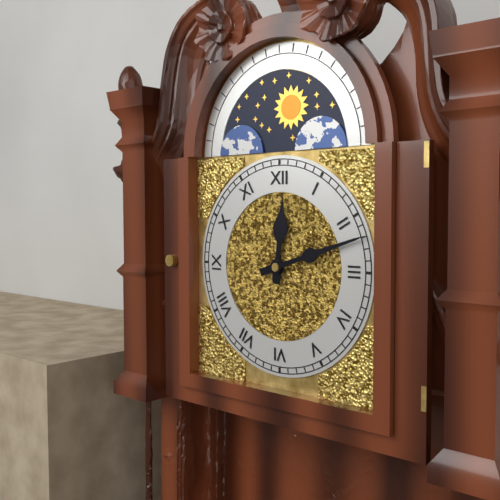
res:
12.12
